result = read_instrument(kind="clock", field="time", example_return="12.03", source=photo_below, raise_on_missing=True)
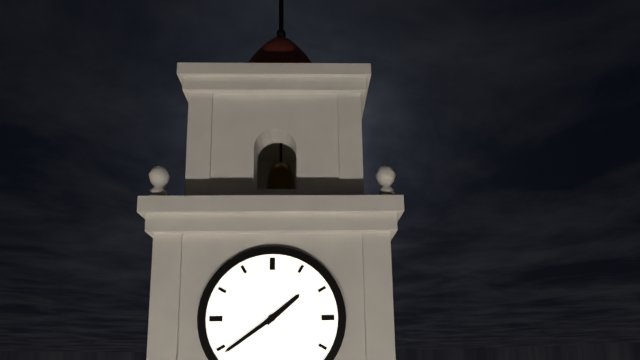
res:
1.39
